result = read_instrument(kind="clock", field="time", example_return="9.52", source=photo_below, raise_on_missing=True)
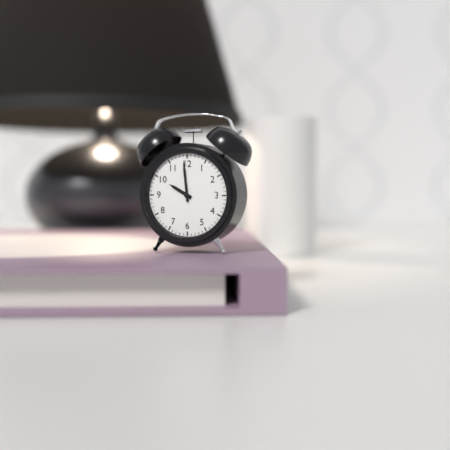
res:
9.59
